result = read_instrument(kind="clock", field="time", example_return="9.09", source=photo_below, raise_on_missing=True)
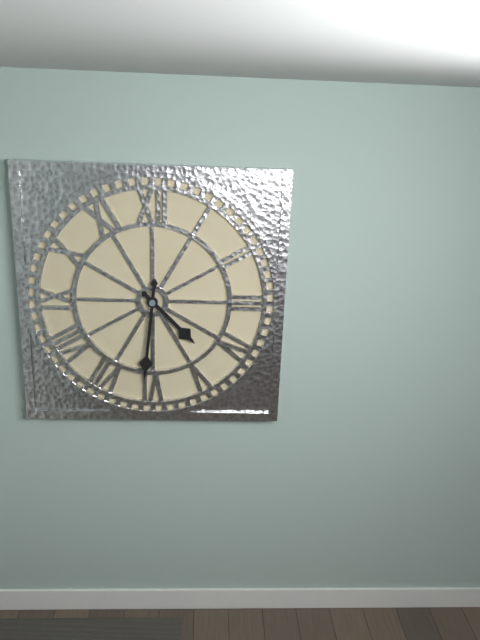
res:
4.31
